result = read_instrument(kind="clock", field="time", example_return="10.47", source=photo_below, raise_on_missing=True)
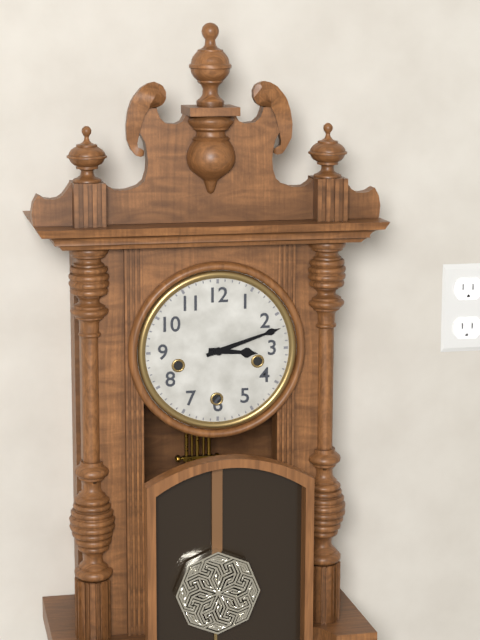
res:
3.12
